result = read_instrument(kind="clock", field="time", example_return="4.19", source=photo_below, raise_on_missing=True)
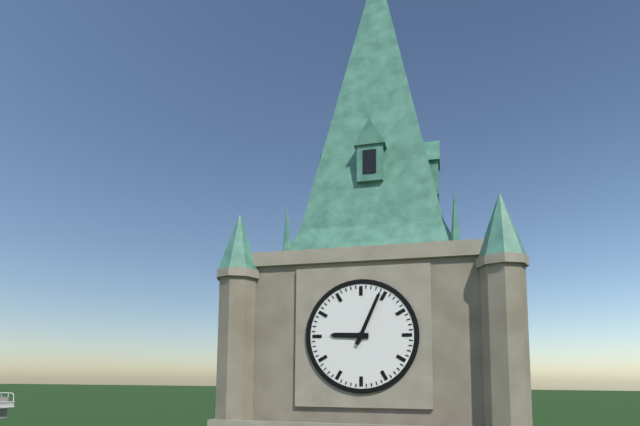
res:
9.04
